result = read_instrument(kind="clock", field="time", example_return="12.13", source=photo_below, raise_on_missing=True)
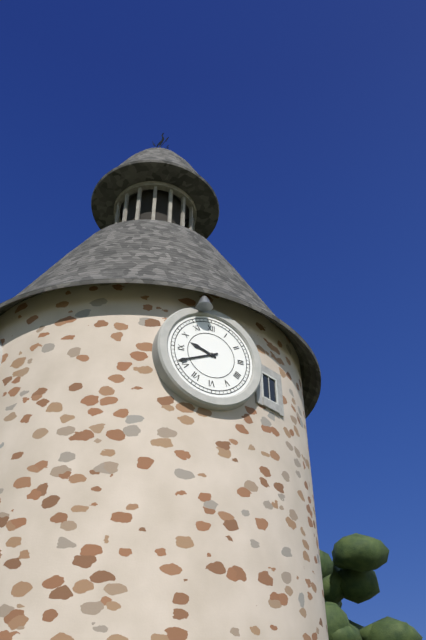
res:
9.41
